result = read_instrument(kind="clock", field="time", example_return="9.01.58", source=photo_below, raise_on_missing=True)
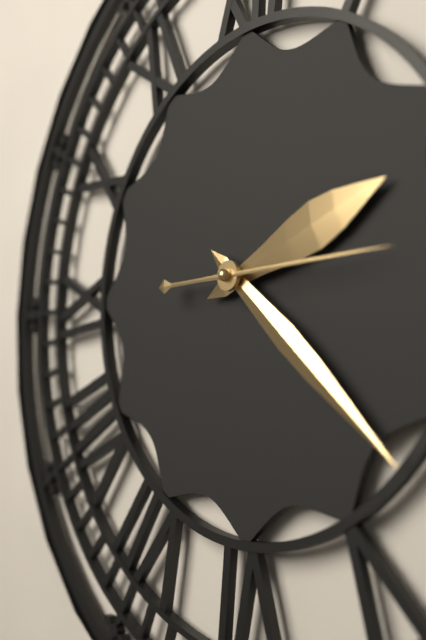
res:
2.22.15
